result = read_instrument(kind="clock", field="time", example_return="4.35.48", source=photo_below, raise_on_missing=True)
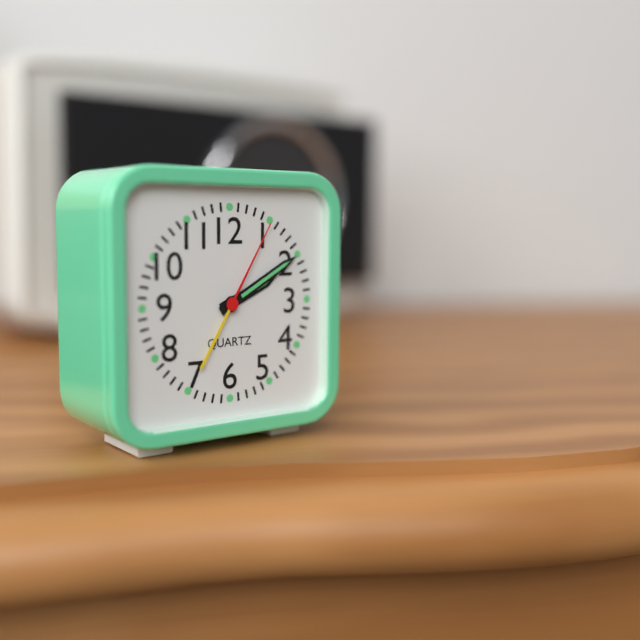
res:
2.10.05
